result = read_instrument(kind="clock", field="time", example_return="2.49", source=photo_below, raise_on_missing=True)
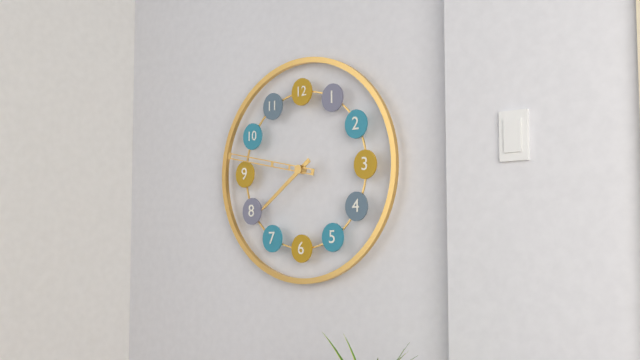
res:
7.47
